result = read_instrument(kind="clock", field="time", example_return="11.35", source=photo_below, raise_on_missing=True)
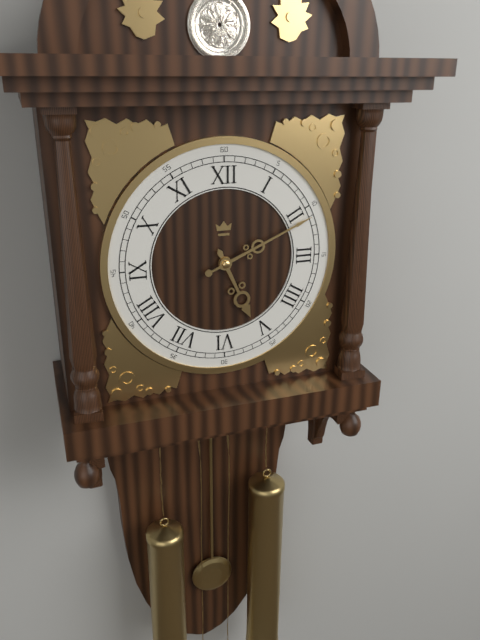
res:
5.11
